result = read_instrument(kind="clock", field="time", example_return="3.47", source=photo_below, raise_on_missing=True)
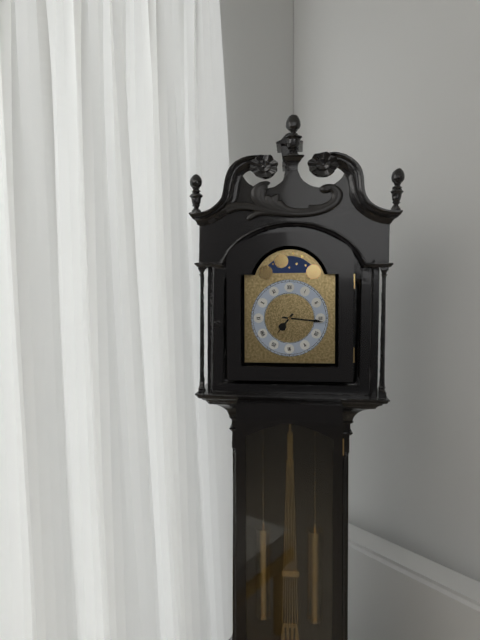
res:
7.16
